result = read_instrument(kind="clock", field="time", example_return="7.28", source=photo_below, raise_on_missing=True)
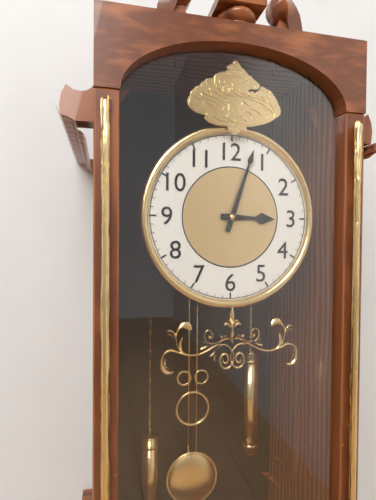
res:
3.03
